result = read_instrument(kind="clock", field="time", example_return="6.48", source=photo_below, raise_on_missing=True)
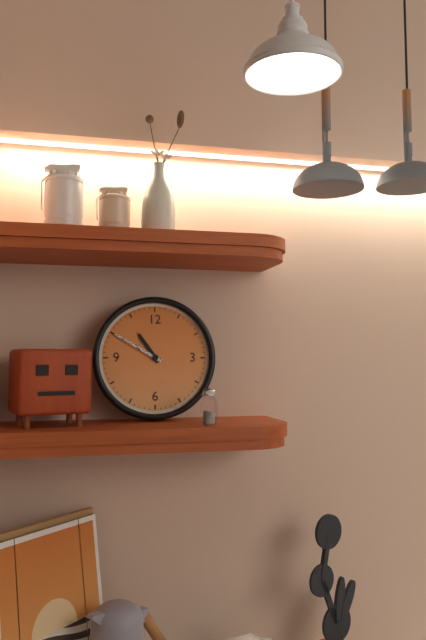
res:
10.50
